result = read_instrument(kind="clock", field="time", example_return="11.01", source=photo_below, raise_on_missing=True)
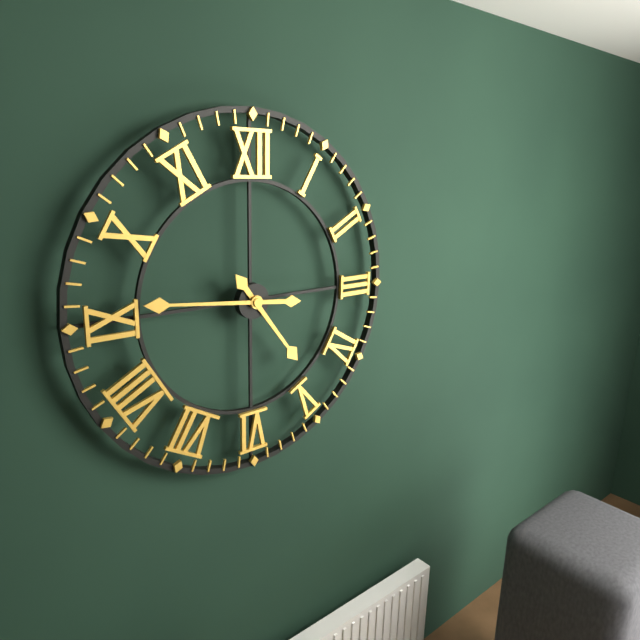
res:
4.46
